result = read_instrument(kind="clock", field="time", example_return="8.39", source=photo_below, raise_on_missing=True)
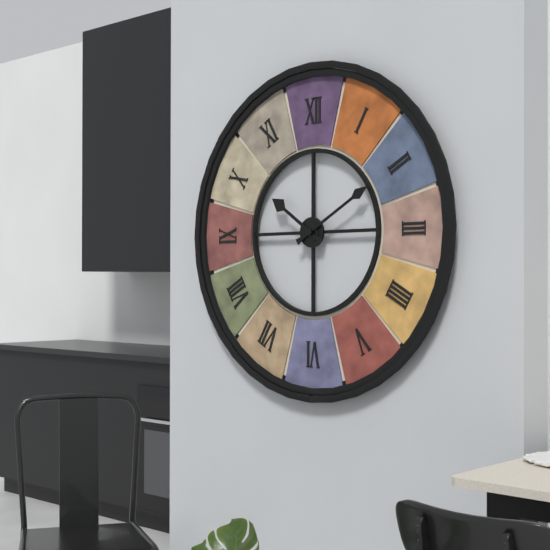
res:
10.10
